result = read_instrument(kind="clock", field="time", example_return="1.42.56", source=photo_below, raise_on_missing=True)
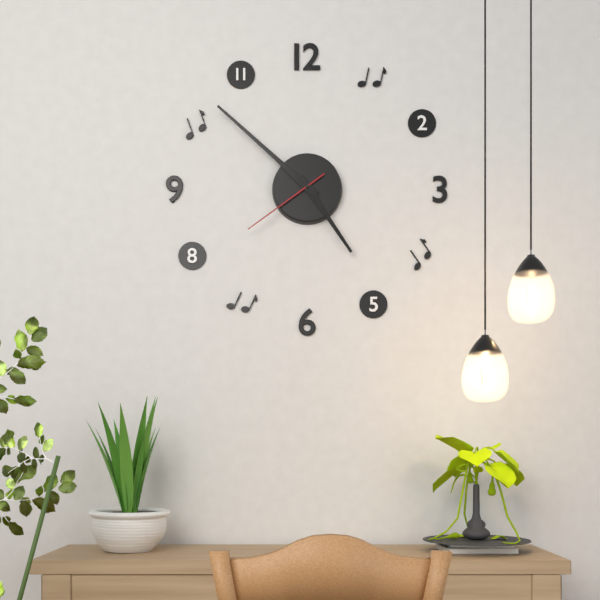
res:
4.52.39
